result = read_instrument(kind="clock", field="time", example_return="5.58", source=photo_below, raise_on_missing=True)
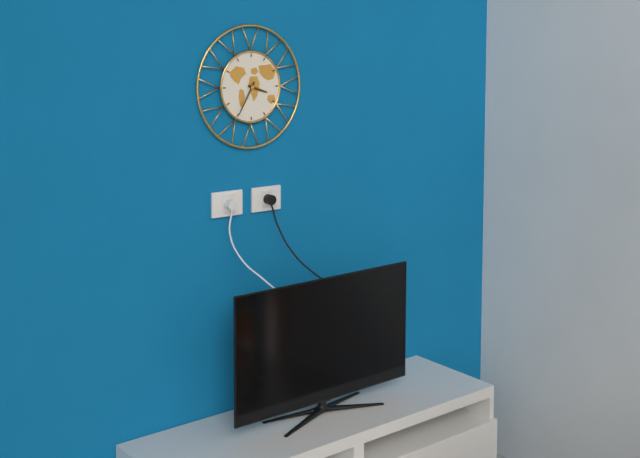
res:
3.35
